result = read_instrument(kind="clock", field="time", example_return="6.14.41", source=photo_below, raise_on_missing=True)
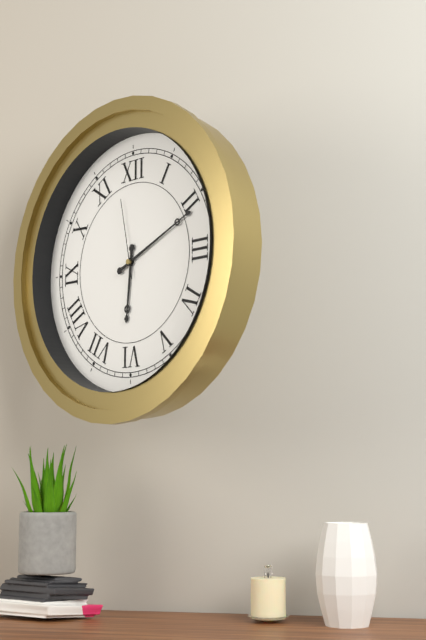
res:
6.11.58
